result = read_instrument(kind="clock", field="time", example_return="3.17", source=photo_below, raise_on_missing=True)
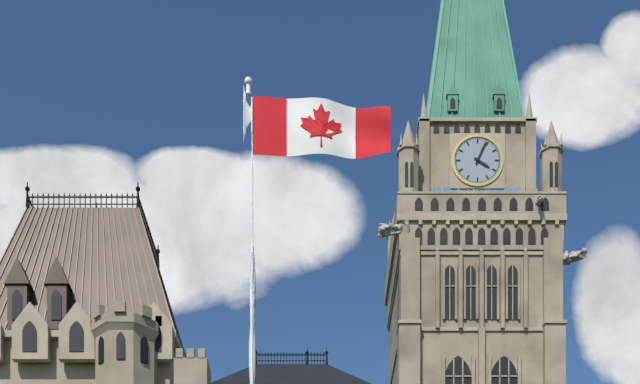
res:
4.04
